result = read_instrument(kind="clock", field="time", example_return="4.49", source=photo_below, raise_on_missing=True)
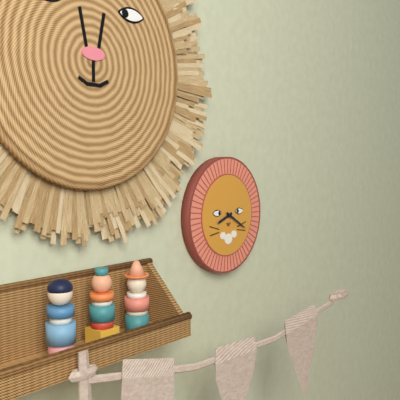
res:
8.20
